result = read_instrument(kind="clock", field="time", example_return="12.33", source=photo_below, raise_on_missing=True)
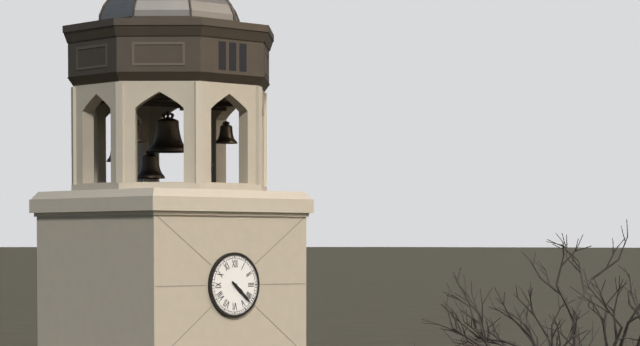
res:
4.22
